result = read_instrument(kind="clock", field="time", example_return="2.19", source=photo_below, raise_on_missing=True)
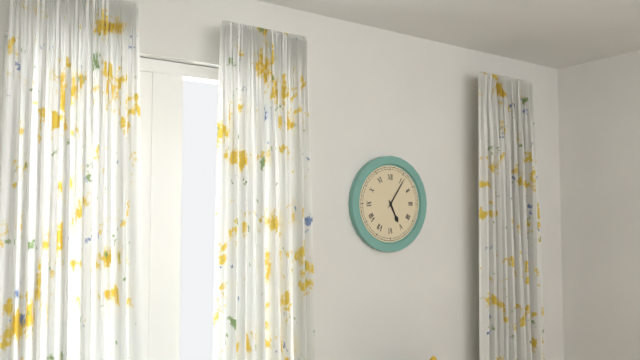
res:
5.06
